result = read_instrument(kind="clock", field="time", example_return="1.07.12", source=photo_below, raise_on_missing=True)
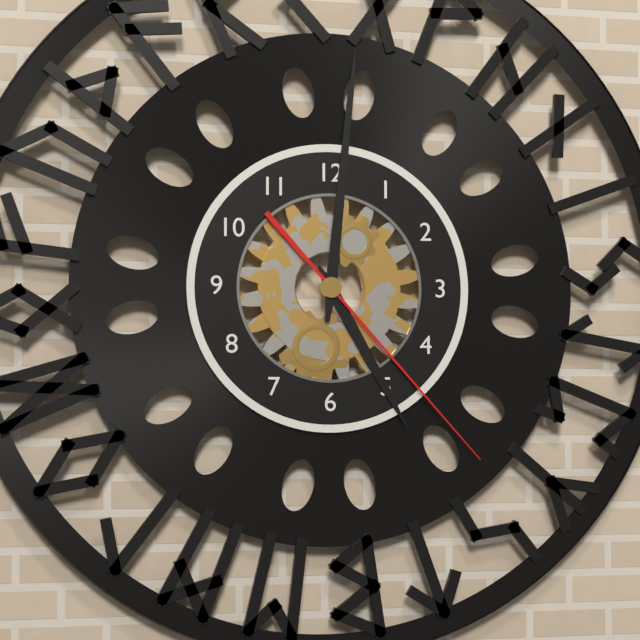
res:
5.01.23
